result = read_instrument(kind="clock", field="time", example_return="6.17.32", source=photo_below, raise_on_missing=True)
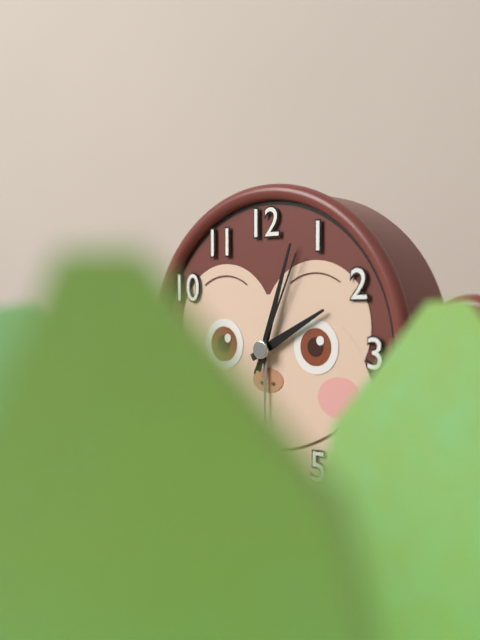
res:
2.03.04
